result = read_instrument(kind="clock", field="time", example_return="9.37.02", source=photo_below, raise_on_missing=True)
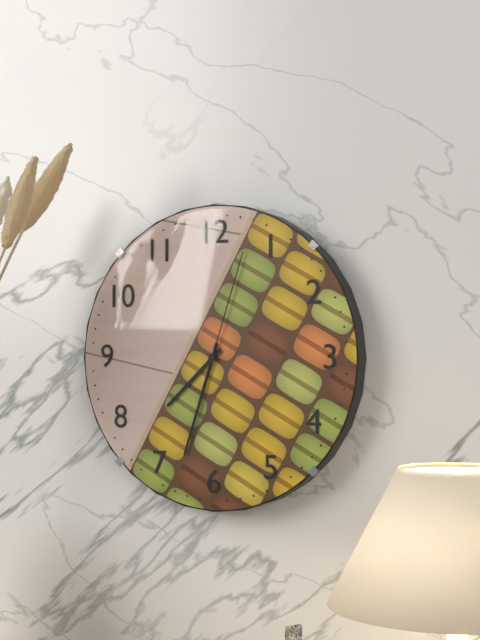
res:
7.33.03
